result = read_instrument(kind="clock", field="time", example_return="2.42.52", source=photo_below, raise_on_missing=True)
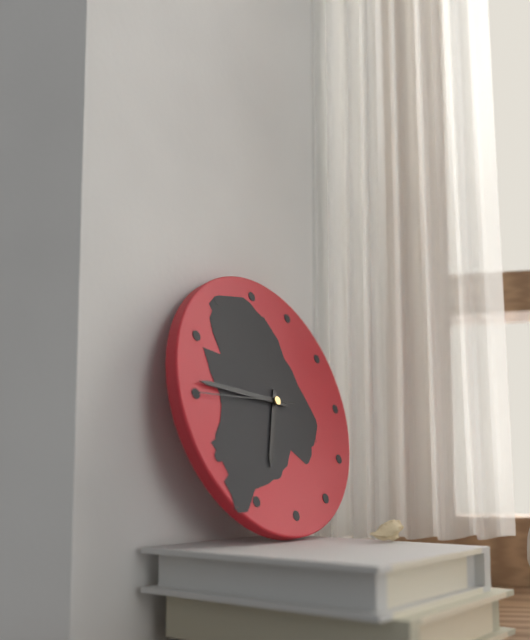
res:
6.46.45
